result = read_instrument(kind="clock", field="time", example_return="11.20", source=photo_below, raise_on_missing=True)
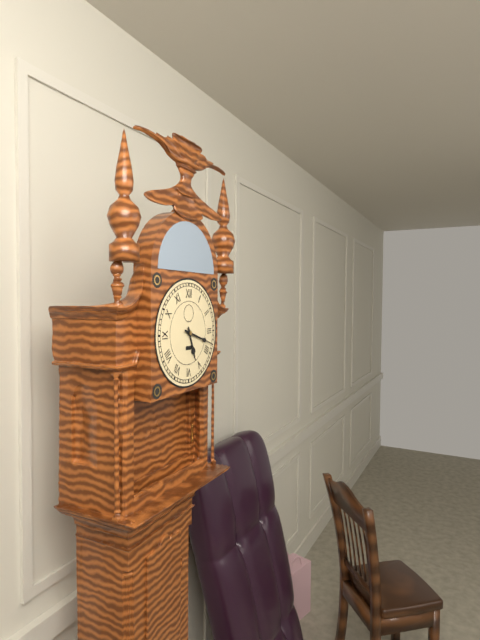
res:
5.18
